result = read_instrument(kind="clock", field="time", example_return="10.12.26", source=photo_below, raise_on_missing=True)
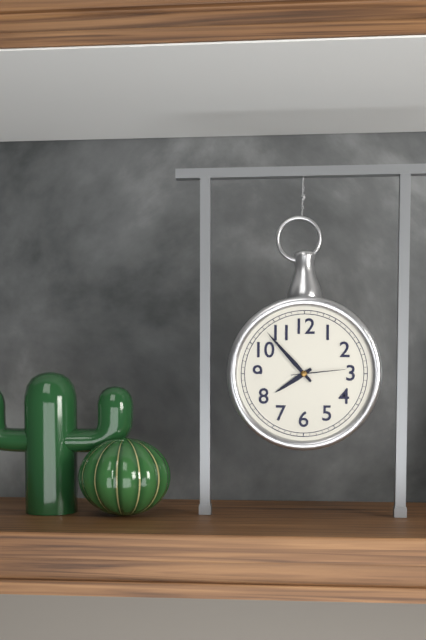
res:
7.53.14
